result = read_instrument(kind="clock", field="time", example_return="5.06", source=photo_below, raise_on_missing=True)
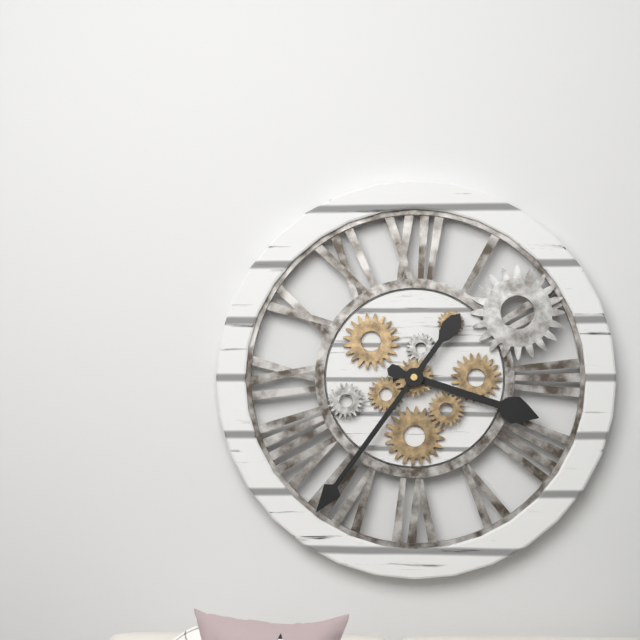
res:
3.36
